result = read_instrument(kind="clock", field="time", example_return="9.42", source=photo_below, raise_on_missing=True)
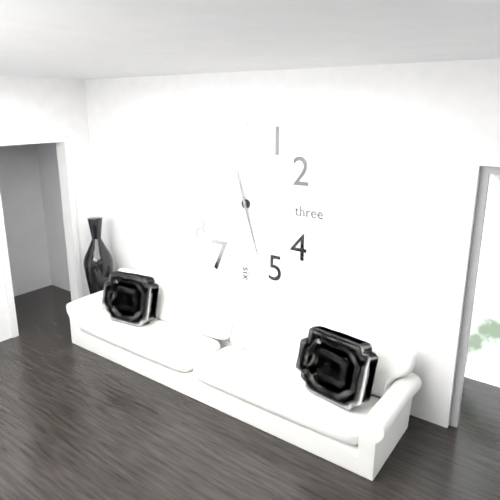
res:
11.27
